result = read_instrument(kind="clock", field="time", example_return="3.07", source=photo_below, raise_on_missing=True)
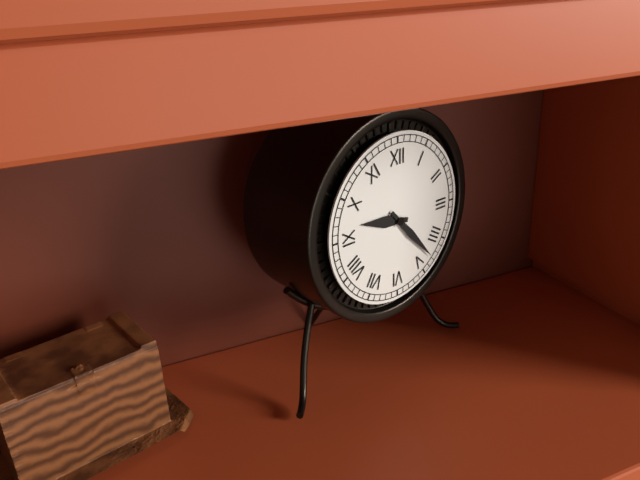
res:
9.23
